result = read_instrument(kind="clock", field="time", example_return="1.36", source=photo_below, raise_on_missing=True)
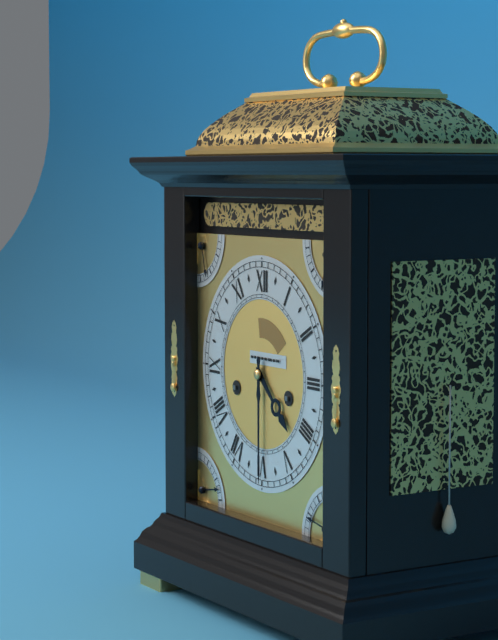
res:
4.30
